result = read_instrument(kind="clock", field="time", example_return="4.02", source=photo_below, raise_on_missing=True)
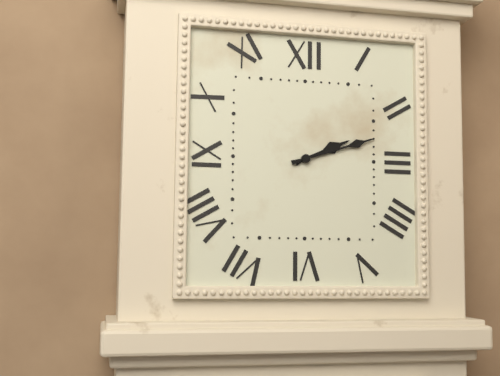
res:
2.12
